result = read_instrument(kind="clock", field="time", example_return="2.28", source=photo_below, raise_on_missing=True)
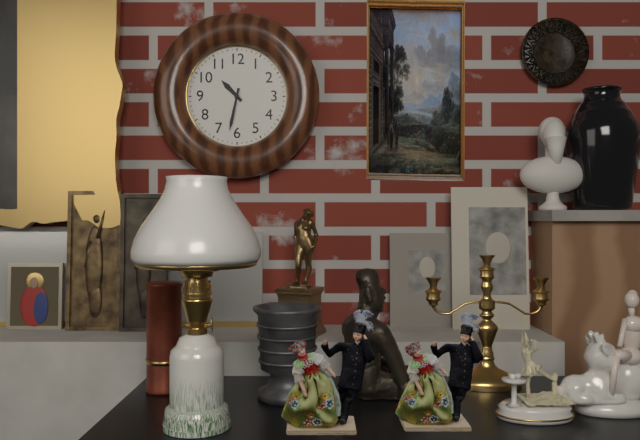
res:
10.32
